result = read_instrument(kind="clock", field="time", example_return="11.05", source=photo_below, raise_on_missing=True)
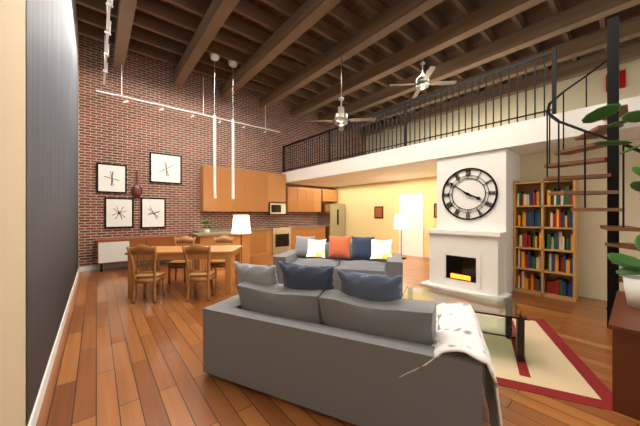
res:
3.51
